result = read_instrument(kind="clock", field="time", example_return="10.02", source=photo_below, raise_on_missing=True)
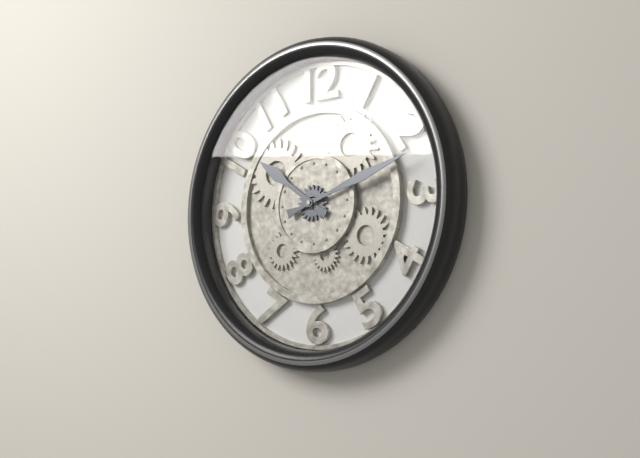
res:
10.12
